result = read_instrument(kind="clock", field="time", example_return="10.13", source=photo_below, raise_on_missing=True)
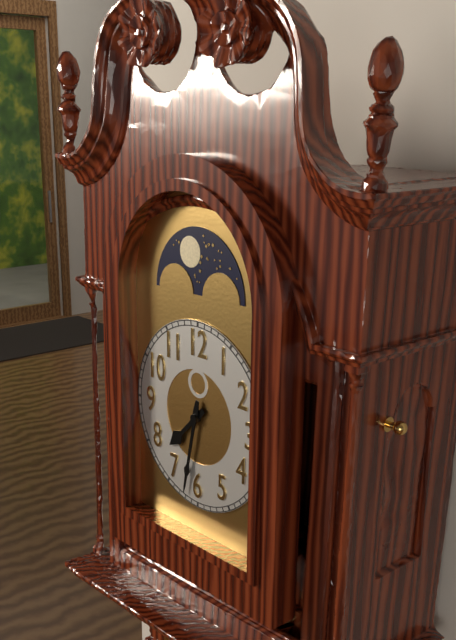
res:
7.32
